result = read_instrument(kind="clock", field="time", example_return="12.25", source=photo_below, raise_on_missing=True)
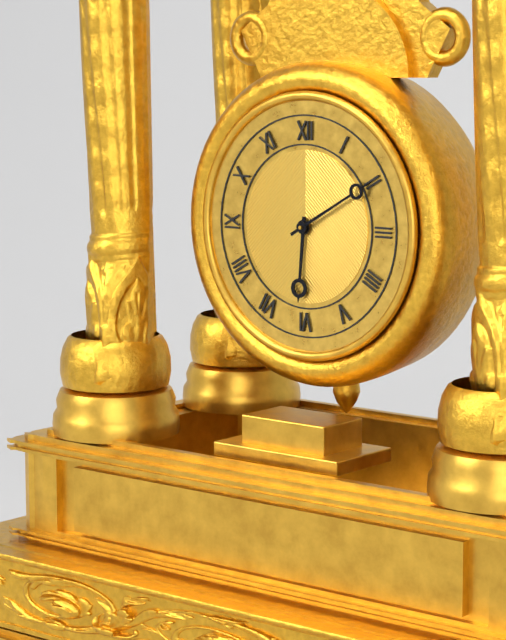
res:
6.10
